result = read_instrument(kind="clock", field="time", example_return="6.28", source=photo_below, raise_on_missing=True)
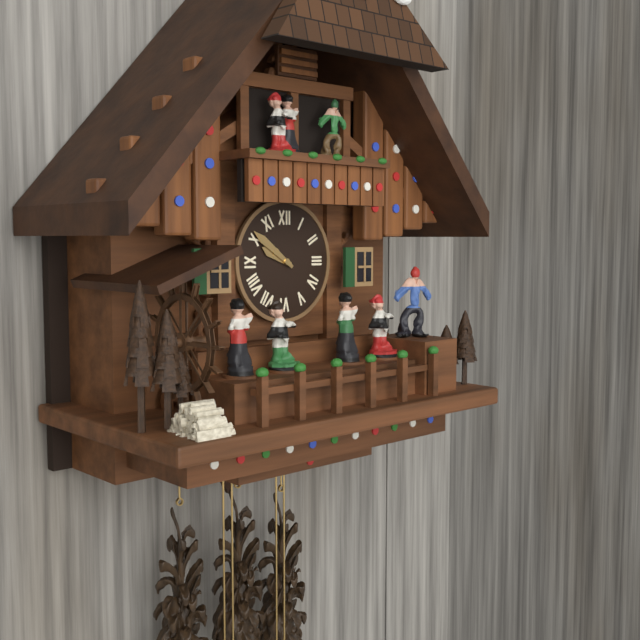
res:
9.51
